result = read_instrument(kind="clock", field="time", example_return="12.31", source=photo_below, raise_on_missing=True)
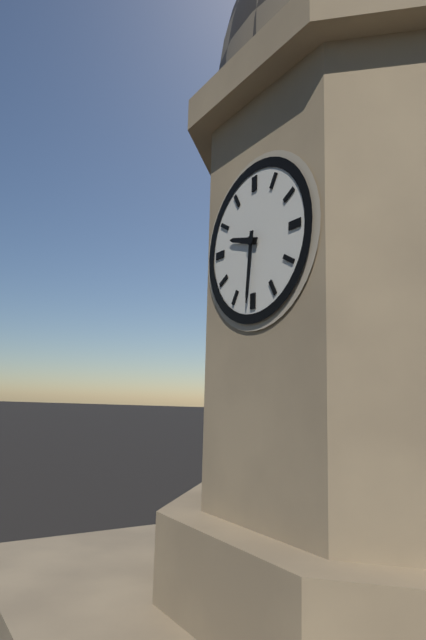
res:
9.31
